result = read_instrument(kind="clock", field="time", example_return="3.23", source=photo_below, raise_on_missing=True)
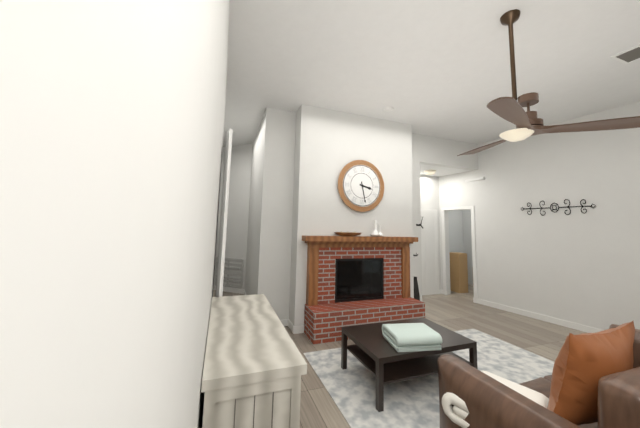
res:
3.28
